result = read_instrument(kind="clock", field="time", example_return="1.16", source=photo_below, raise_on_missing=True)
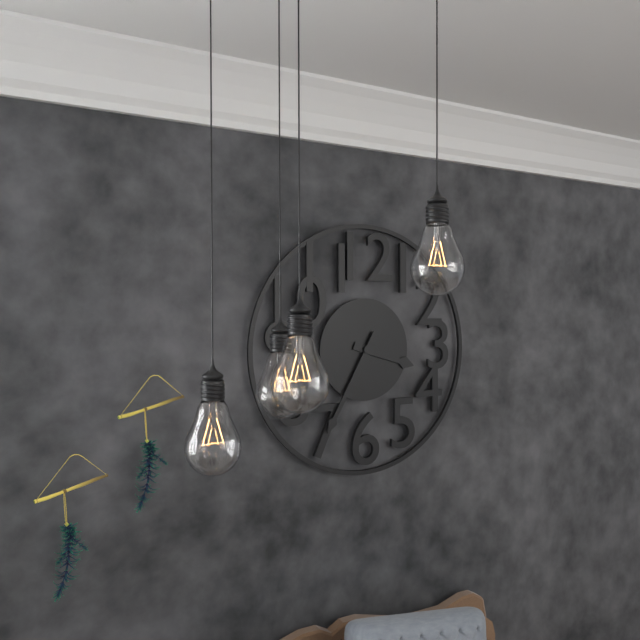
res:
3.35
